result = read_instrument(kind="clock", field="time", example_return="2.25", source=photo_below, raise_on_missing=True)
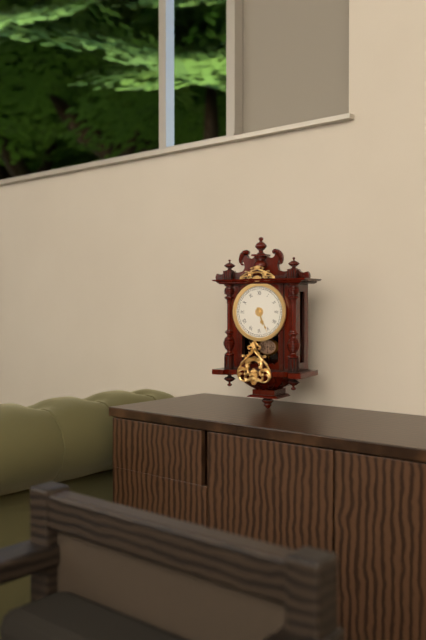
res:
5.26
